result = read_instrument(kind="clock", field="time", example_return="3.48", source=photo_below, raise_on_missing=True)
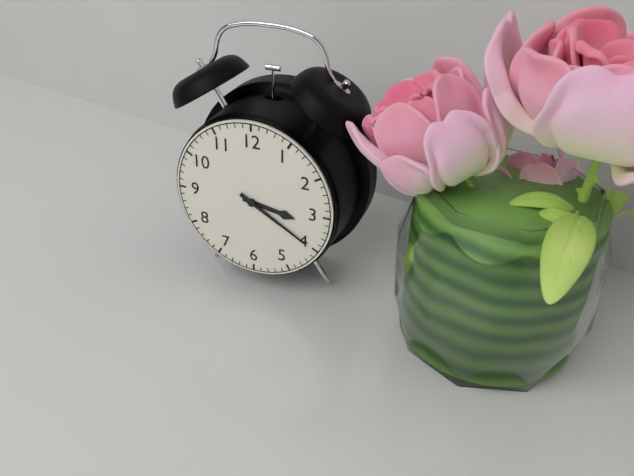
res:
3.20
